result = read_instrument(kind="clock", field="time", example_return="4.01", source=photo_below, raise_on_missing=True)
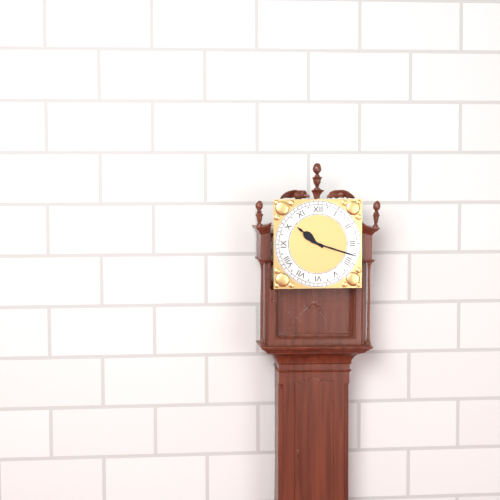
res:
10.18
